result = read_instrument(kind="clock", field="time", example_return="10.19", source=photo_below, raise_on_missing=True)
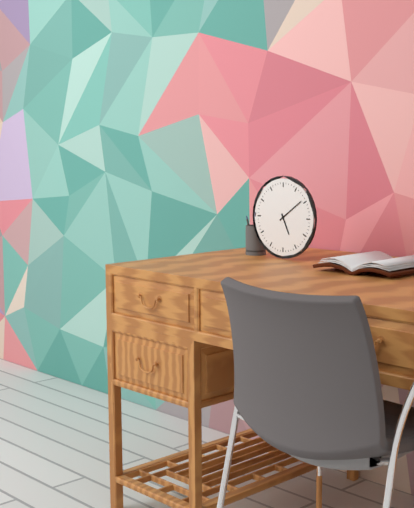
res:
5.09
